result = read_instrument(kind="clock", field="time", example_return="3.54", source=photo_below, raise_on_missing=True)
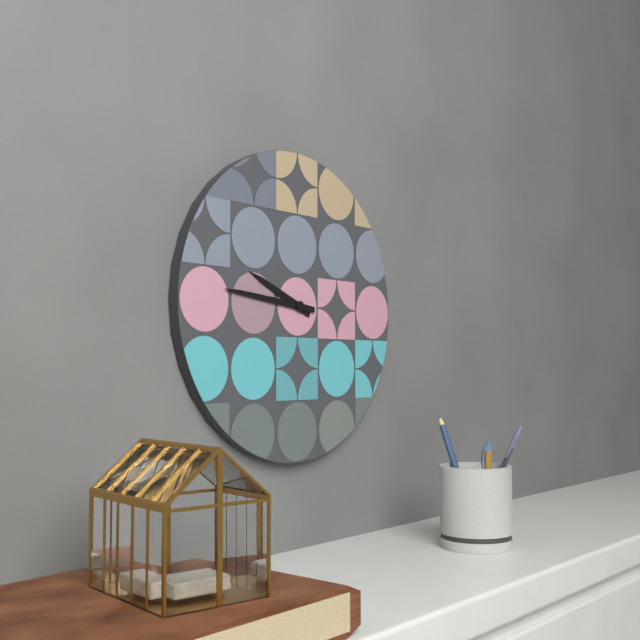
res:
9.46
